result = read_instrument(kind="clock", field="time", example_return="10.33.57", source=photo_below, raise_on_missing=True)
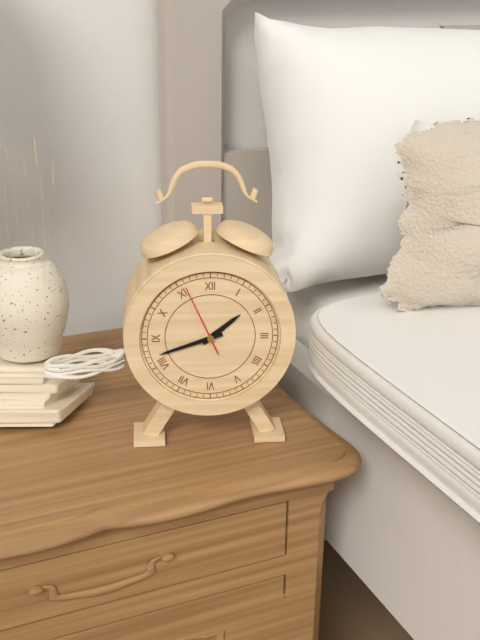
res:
1.42.56
